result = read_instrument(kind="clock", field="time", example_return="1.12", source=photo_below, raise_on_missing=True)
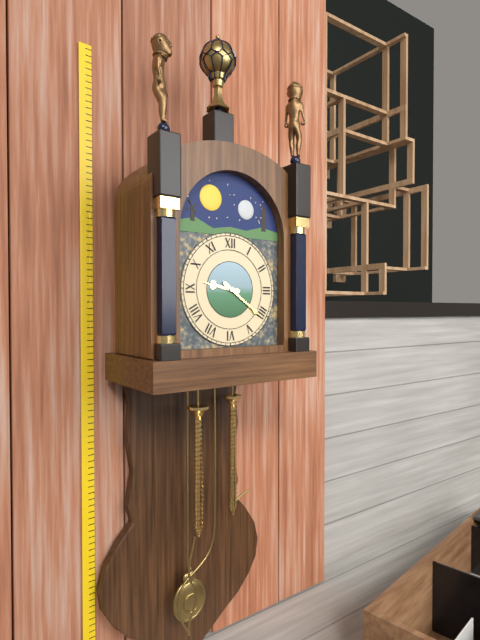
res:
9.21
